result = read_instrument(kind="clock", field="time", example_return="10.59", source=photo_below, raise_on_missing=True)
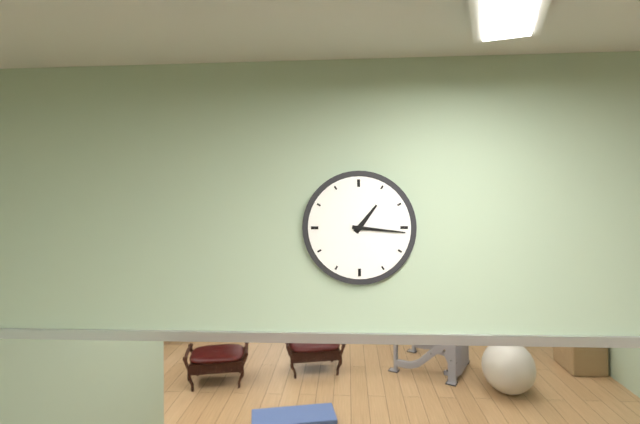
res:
1.16
